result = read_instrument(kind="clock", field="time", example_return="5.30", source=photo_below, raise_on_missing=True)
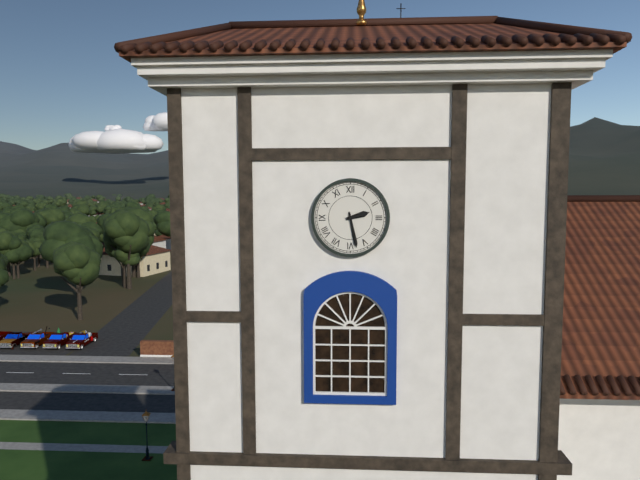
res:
2.28
